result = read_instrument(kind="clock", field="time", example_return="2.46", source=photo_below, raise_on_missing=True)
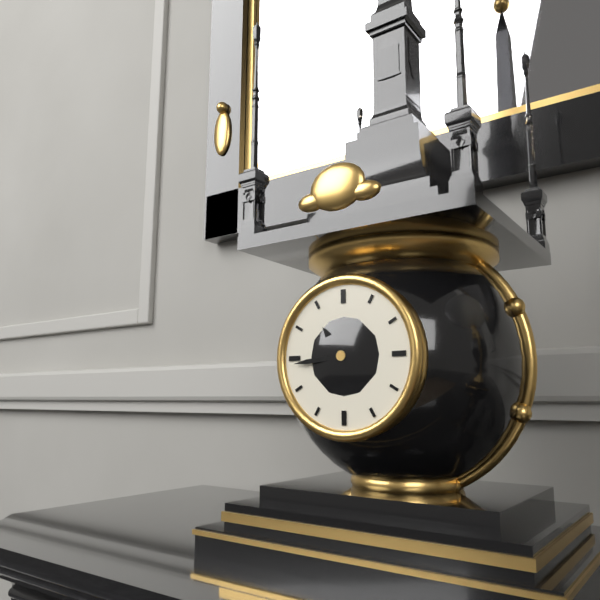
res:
10.44
